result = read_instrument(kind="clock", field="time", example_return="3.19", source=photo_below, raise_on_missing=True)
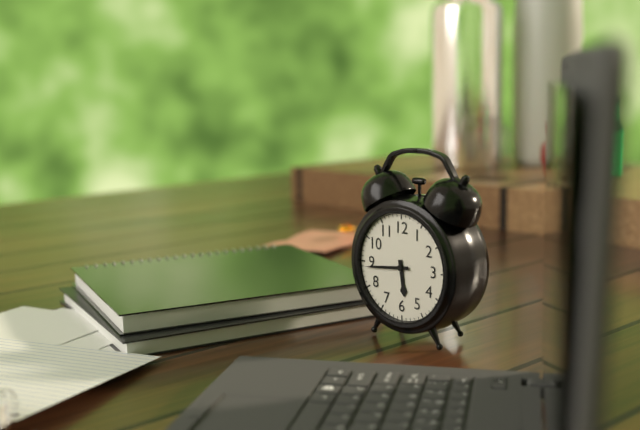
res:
5.44
